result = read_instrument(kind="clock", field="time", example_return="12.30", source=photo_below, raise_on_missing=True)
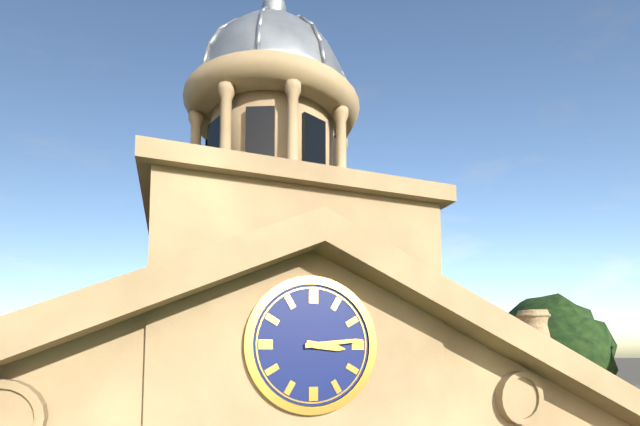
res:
3.14
